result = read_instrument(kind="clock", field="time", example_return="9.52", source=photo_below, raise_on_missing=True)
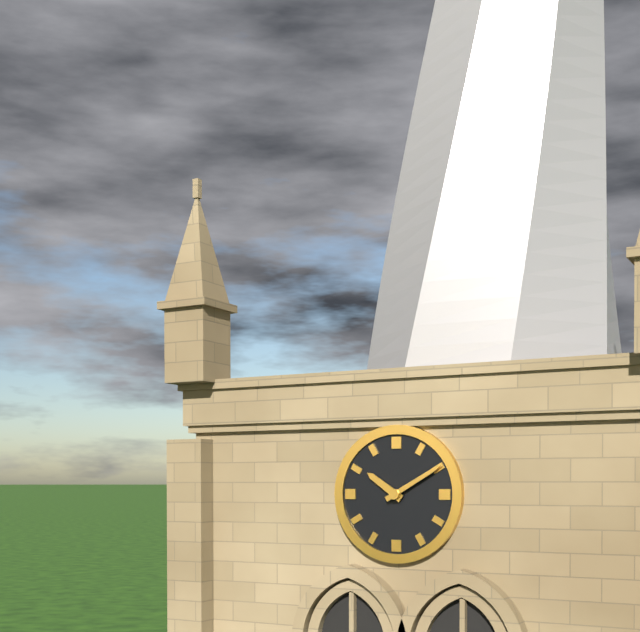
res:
10.10
